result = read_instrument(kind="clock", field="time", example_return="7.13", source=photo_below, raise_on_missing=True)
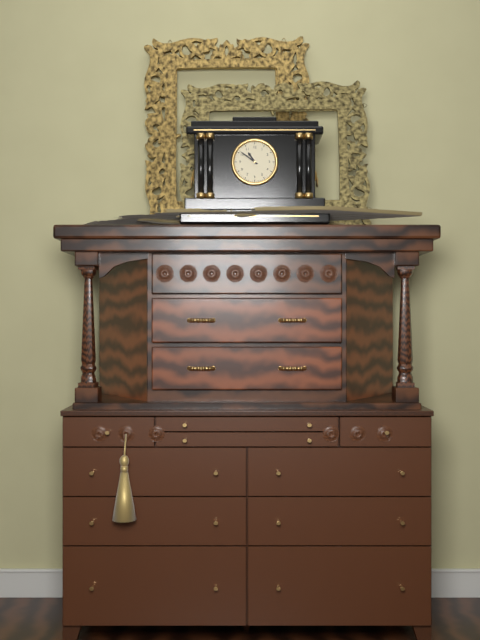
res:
10.51
